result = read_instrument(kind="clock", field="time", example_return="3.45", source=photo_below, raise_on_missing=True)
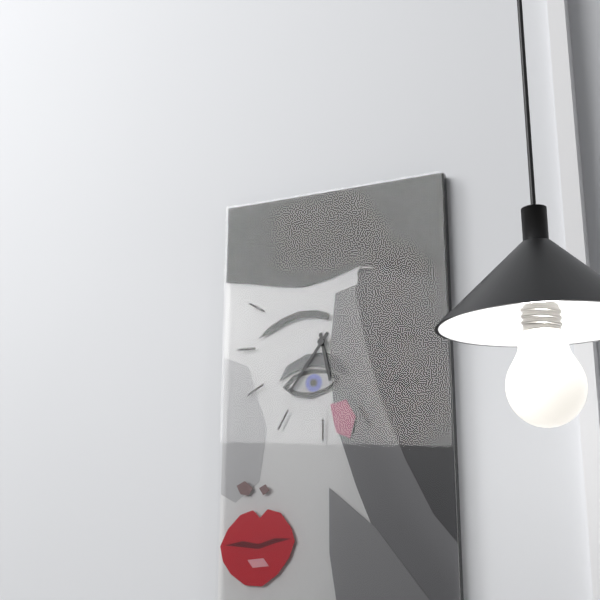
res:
5.36
